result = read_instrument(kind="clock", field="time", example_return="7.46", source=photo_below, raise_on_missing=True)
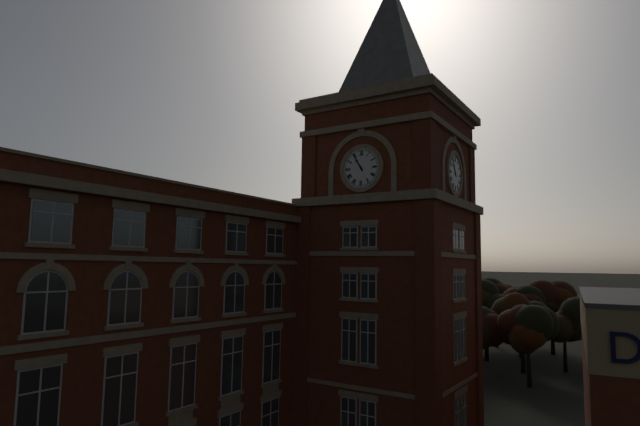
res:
10.55
